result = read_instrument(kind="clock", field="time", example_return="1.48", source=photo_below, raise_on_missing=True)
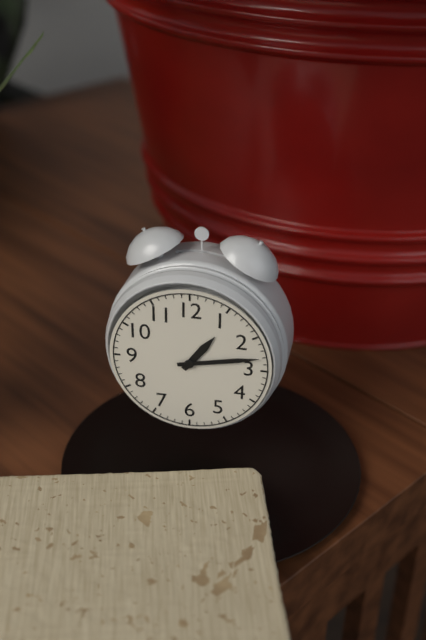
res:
1.13
